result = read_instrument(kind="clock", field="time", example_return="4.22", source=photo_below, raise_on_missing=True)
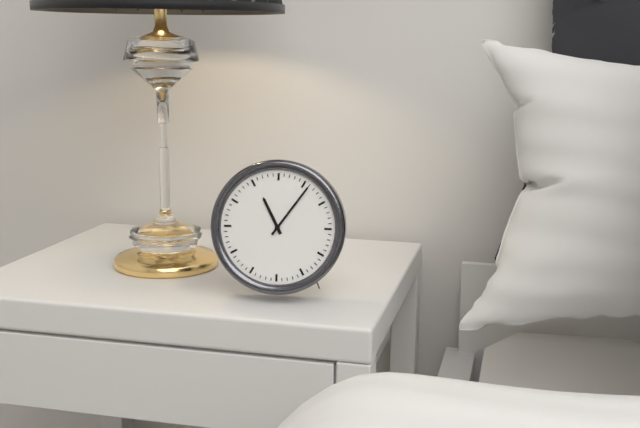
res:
11.06
